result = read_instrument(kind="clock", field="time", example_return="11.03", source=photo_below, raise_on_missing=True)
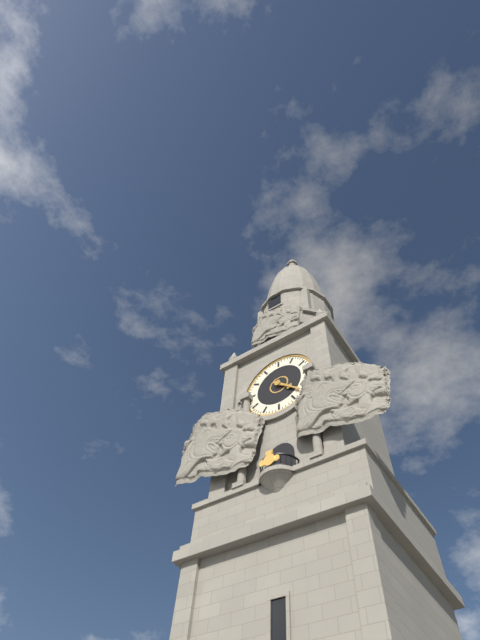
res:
4.22
